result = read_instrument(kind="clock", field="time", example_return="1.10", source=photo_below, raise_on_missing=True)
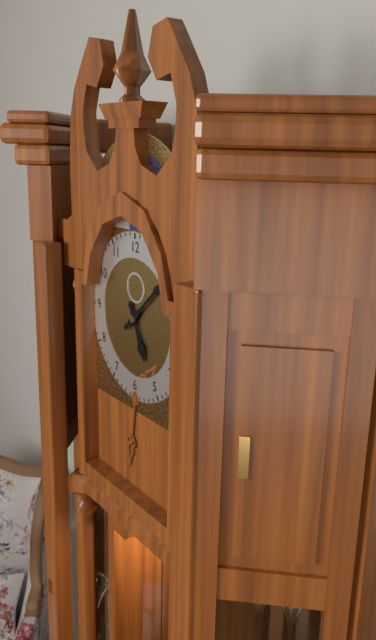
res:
5.08
